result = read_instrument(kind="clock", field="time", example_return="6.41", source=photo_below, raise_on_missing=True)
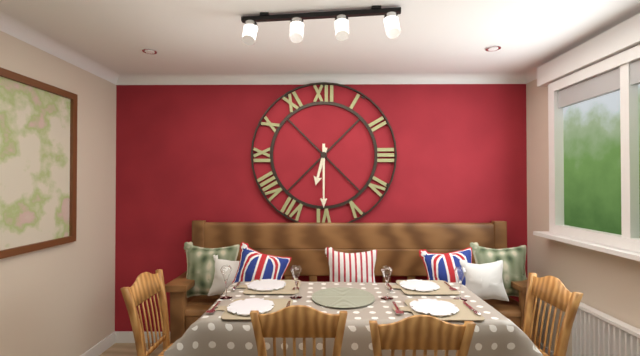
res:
6.30
